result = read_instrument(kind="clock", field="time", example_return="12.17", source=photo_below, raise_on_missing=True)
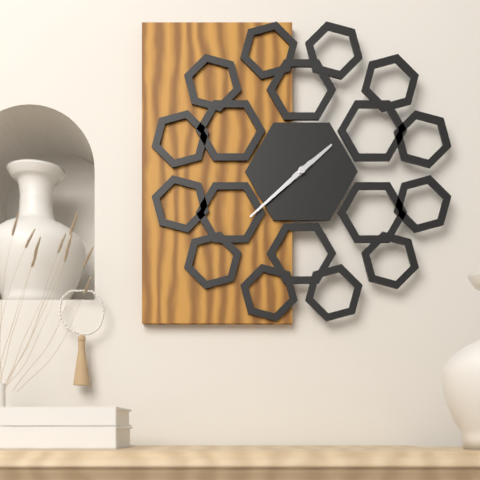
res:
1.38
